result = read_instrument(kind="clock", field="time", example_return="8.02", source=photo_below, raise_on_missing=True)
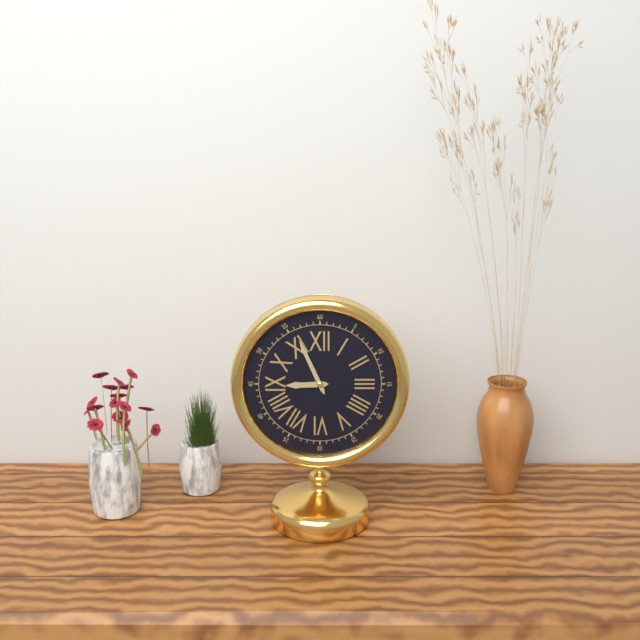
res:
8.56
